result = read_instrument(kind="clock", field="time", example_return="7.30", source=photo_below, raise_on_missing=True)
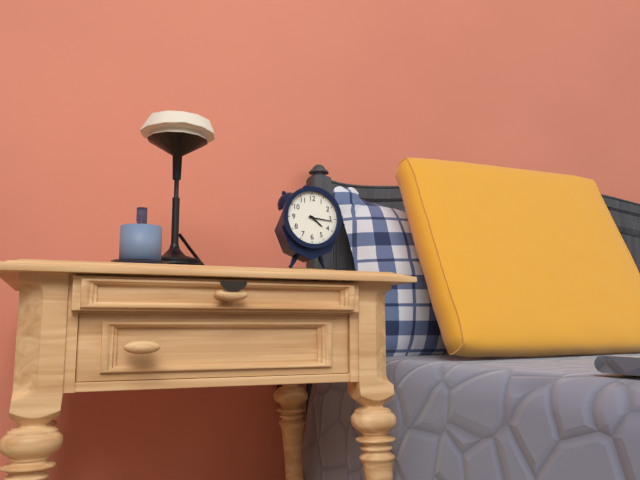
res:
4.16
